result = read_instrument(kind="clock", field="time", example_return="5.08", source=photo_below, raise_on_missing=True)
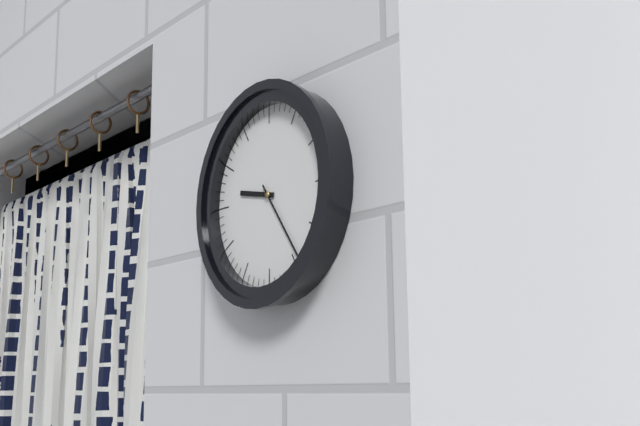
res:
9.24
